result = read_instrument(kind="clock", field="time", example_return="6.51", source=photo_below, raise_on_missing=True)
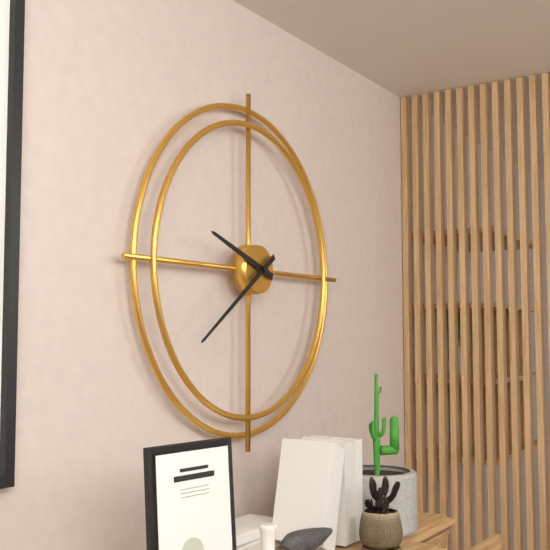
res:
9.39
